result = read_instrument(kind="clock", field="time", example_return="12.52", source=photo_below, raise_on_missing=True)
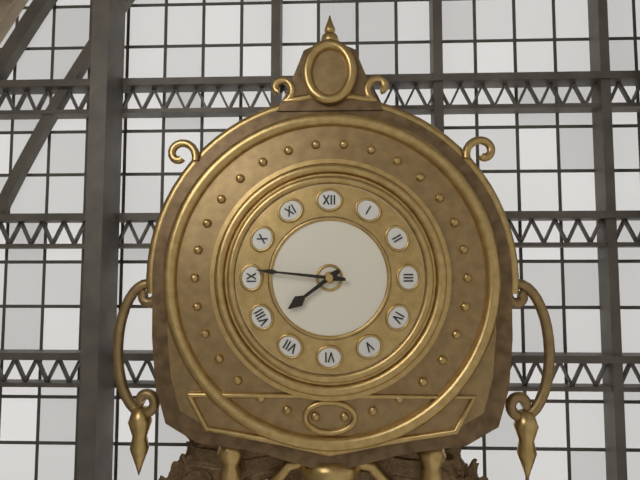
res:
7.46
